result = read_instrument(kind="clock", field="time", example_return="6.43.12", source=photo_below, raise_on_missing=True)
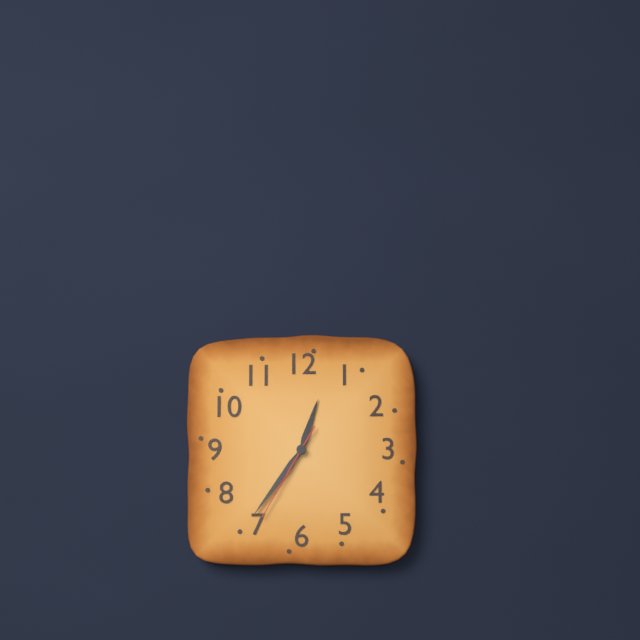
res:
12.36.35
